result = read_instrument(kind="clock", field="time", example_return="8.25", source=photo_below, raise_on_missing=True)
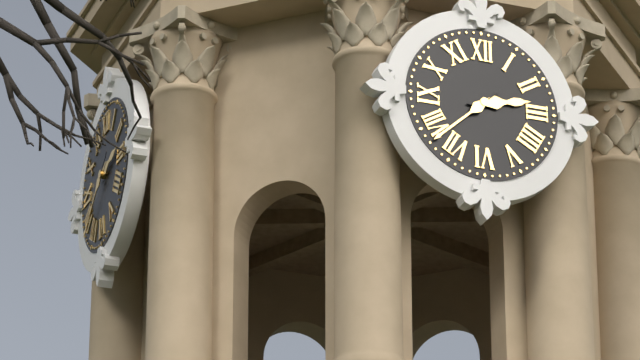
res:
2.38
